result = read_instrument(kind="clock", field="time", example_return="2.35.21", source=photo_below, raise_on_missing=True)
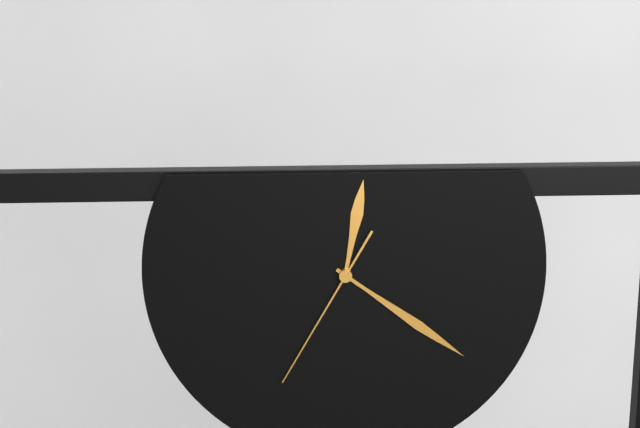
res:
12.21.35
